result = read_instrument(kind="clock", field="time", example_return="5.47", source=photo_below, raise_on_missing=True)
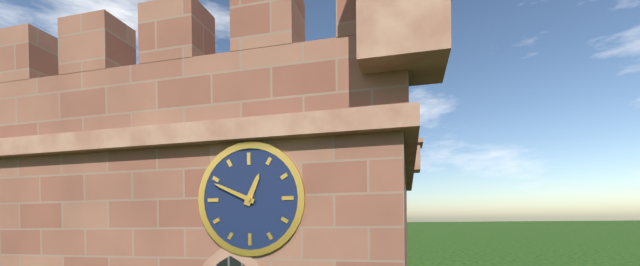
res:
12.49
